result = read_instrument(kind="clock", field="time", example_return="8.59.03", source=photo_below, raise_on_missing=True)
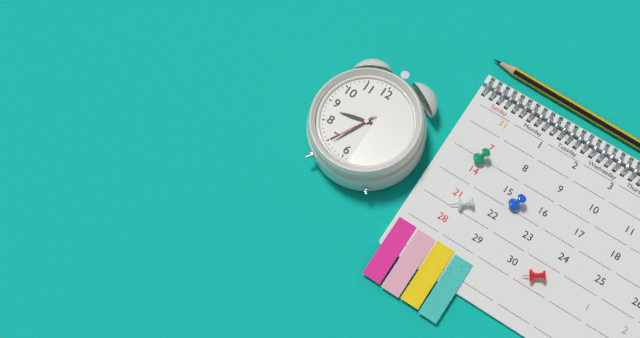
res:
8.34.35
